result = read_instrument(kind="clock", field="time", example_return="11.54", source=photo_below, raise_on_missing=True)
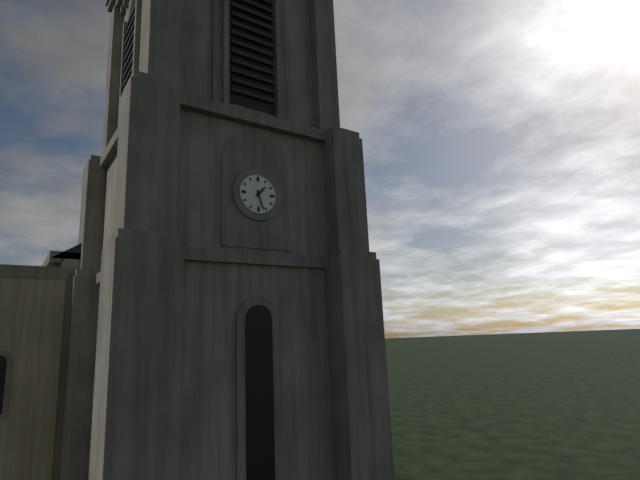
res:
1.27
